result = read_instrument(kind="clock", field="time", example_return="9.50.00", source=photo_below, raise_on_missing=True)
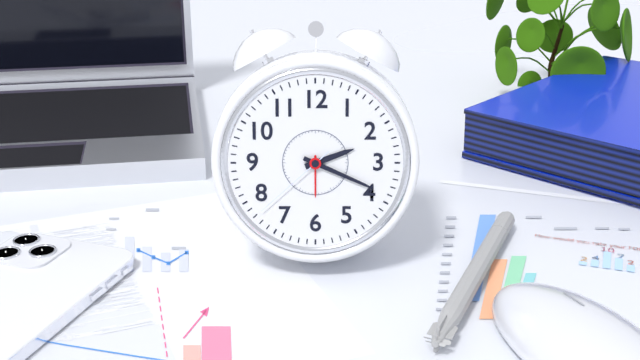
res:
2.19.38
